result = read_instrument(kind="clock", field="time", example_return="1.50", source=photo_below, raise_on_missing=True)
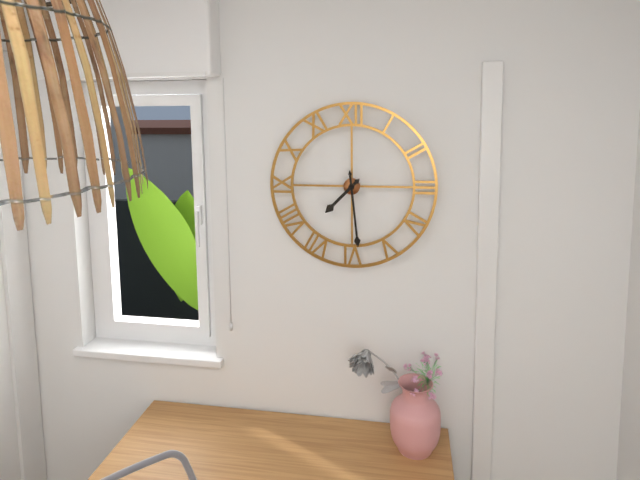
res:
7.29
